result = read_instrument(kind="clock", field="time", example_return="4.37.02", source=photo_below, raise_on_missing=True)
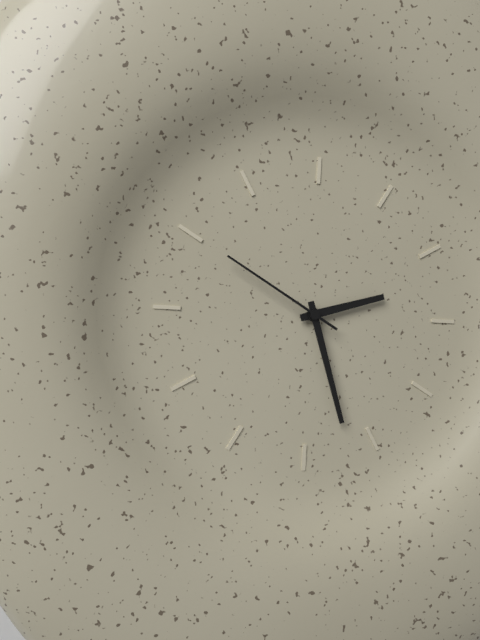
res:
2.27.50
